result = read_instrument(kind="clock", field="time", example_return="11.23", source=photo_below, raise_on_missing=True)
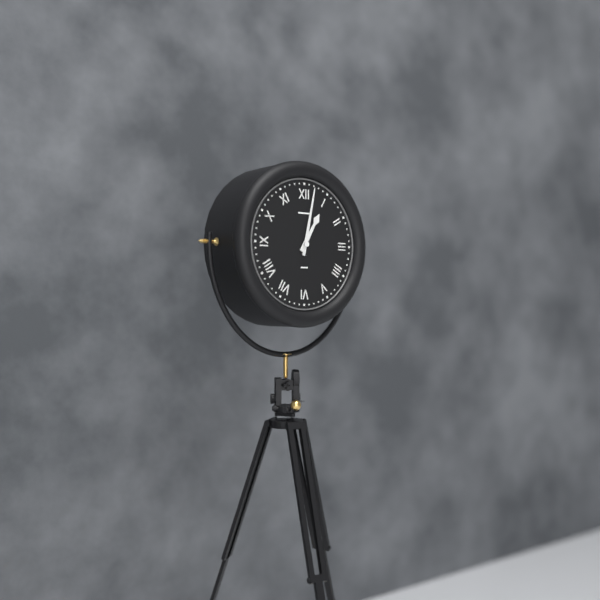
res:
1.02
